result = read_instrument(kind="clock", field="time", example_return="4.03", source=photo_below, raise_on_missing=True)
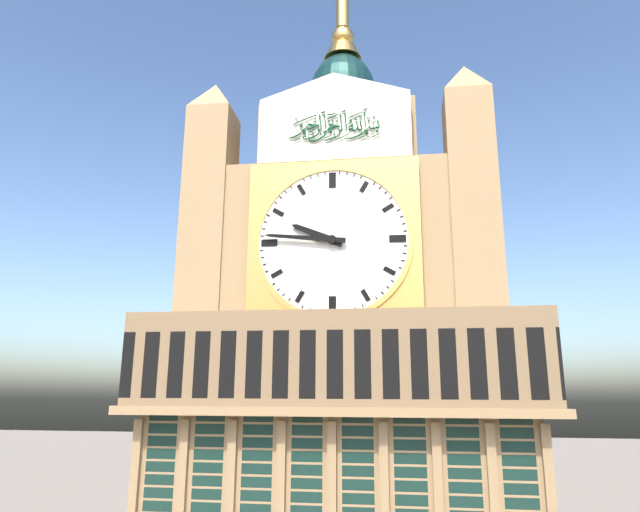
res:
9.46
